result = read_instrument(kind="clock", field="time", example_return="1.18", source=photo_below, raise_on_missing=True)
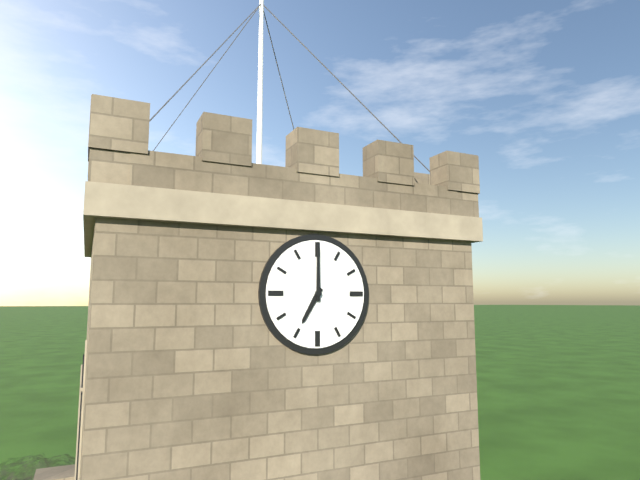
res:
7.00
